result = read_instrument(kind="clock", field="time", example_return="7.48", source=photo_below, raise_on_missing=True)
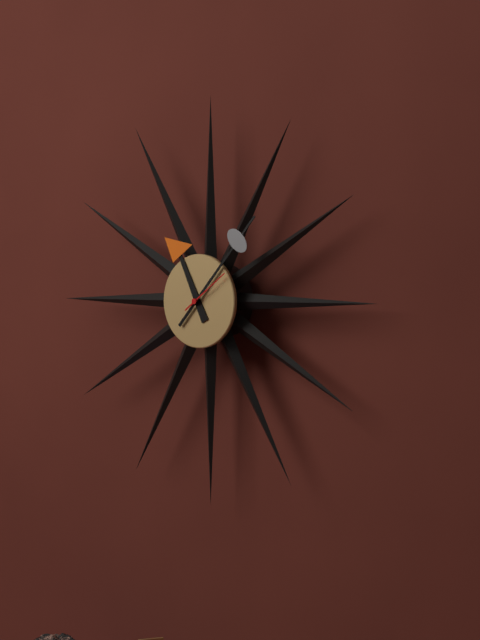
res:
11.07
